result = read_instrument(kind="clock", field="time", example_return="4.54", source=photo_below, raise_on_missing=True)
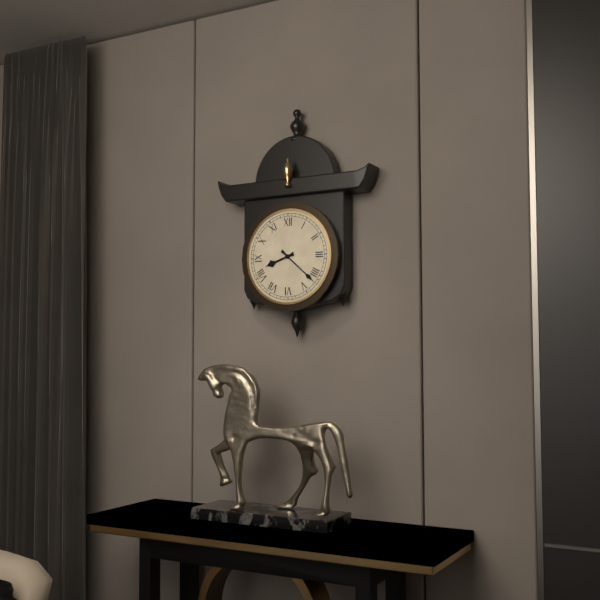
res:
8.22
